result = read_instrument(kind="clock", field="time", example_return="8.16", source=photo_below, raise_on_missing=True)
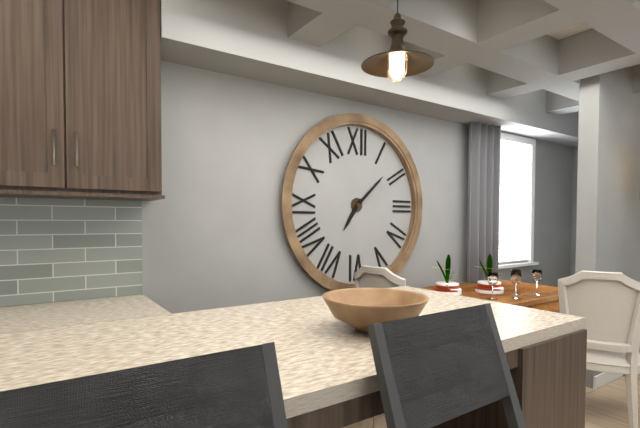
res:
7.08
